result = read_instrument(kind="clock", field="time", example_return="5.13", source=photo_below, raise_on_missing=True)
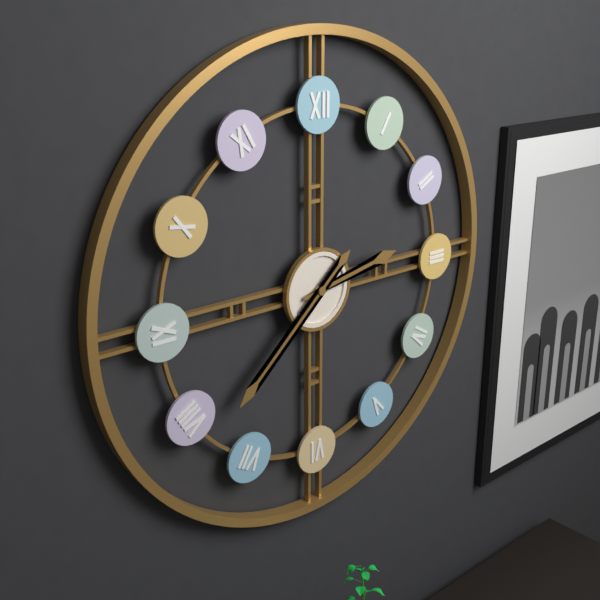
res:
2.38
